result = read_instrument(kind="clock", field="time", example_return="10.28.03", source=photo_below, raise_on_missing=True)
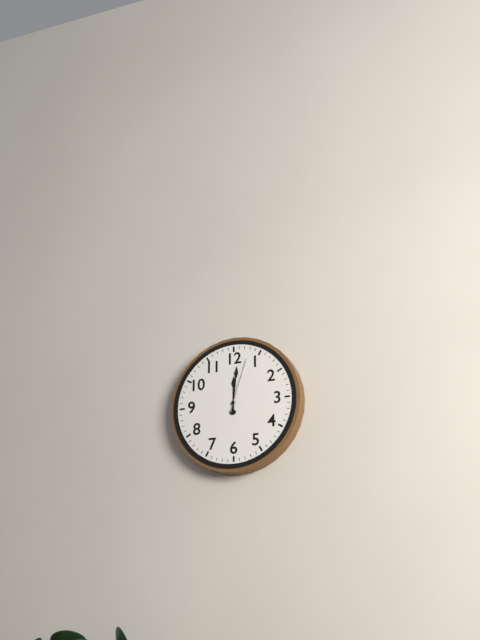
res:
12.01.03
